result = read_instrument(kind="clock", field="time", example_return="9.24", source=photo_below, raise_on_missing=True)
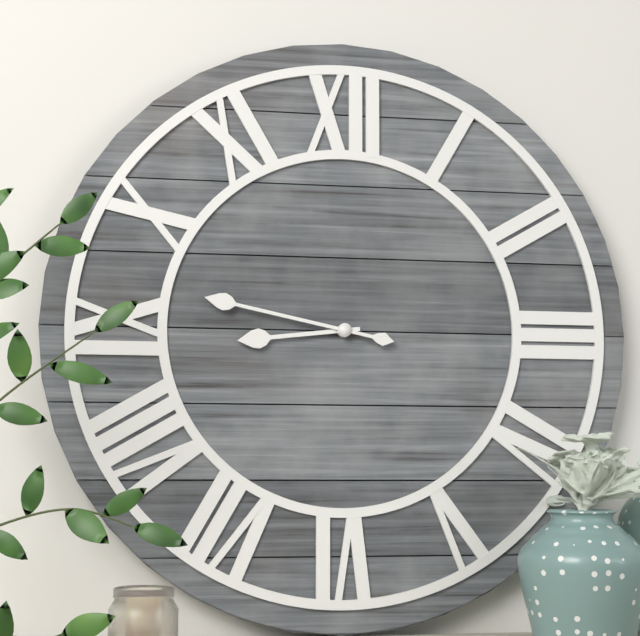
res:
8.47
